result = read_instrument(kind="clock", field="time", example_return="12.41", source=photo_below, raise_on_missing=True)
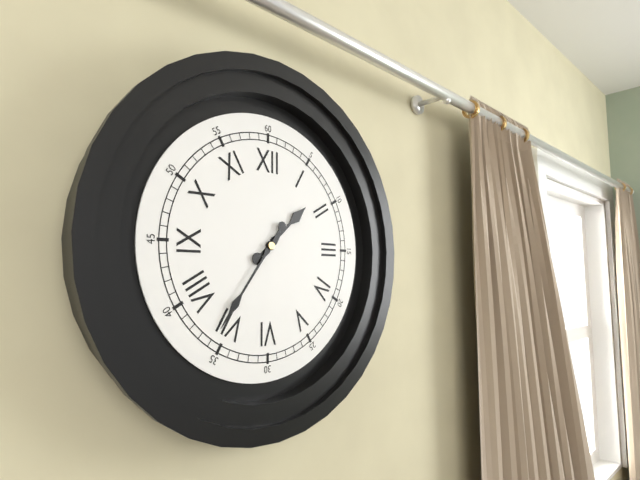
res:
1.36
